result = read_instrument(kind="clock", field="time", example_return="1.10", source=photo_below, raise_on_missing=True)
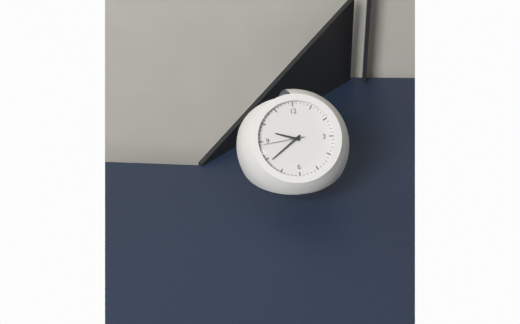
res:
9.39
